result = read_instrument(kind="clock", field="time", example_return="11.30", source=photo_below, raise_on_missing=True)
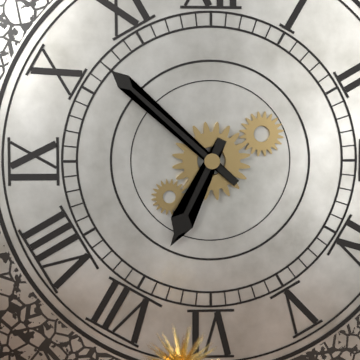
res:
6.52
